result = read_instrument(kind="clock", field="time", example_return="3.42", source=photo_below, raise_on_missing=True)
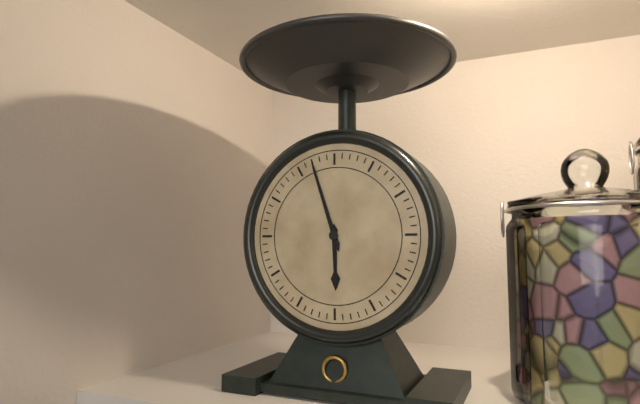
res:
5.57
